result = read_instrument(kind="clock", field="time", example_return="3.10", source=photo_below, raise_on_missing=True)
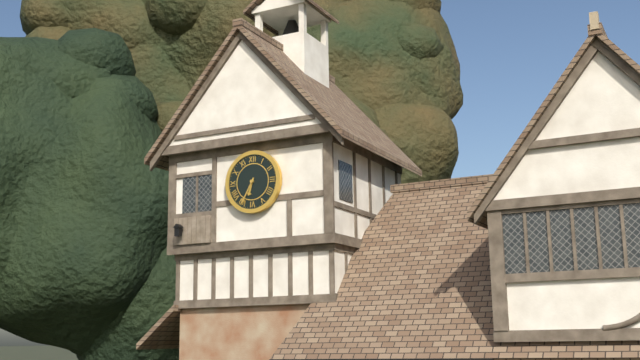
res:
6.35
